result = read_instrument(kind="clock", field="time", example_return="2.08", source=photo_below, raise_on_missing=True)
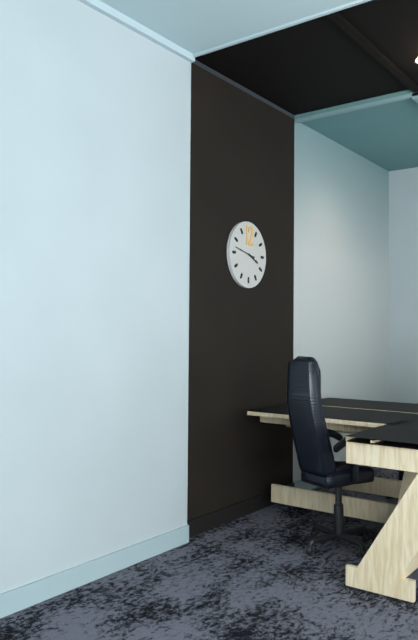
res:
3.47
